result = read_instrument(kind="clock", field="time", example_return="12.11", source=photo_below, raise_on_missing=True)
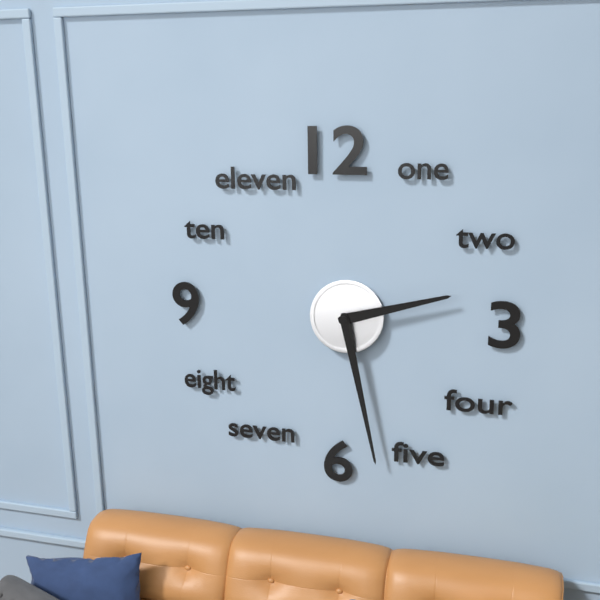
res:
2.28
